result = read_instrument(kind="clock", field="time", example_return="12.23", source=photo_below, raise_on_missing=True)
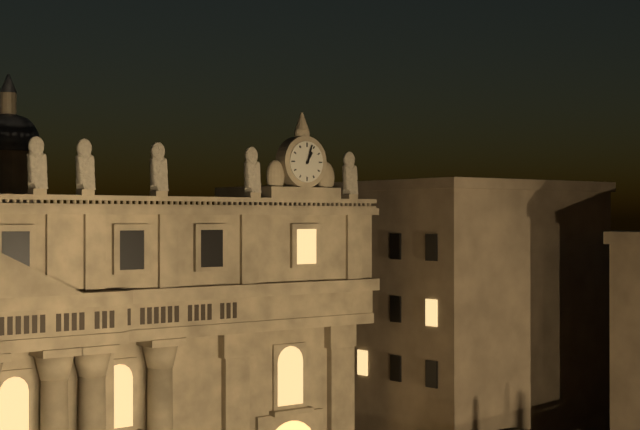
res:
1.03
